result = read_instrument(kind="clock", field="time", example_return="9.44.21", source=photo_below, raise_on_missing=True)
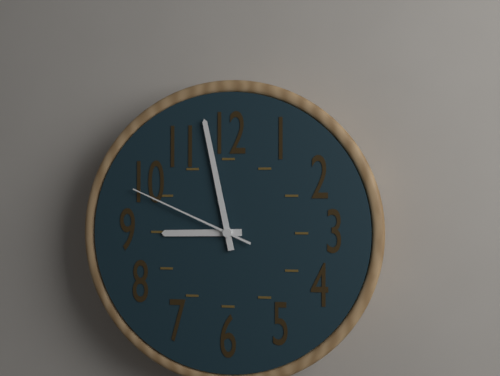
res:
8.58.49
